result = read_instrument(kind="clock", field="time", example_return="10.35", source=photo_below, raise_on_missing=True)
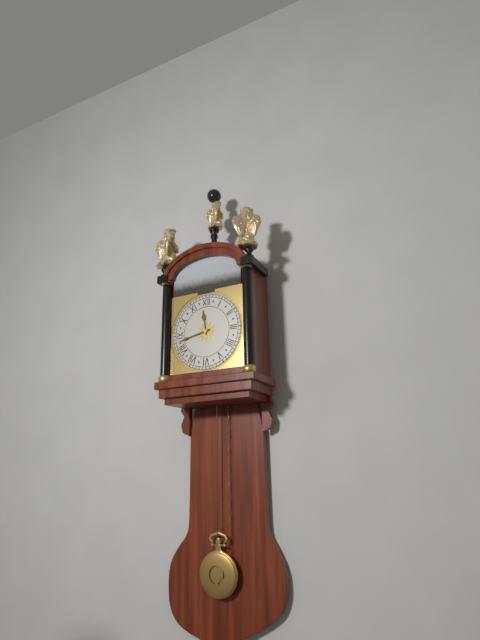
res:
11.43
